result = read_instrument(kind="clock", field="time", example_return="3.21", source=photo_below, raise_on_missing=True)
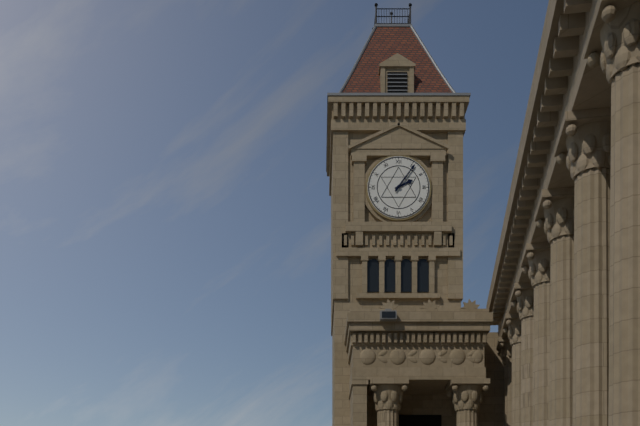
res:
2.06
